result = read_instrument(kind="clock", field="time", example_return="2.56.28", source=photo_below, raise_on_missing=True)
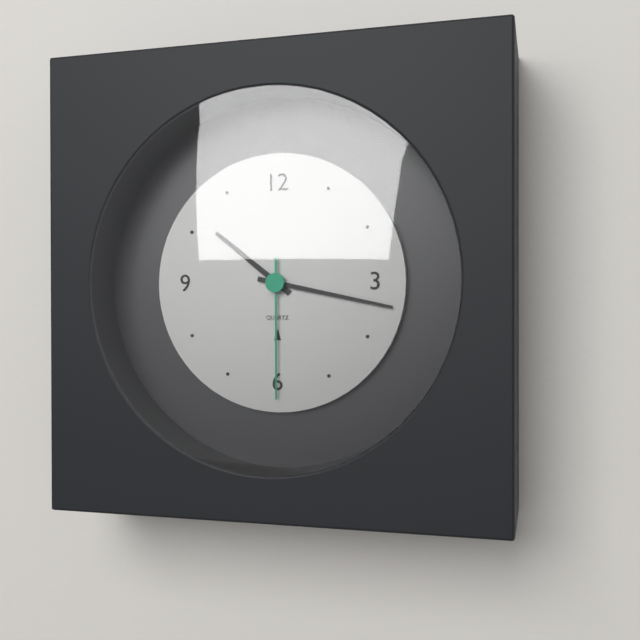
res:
10.17.30
